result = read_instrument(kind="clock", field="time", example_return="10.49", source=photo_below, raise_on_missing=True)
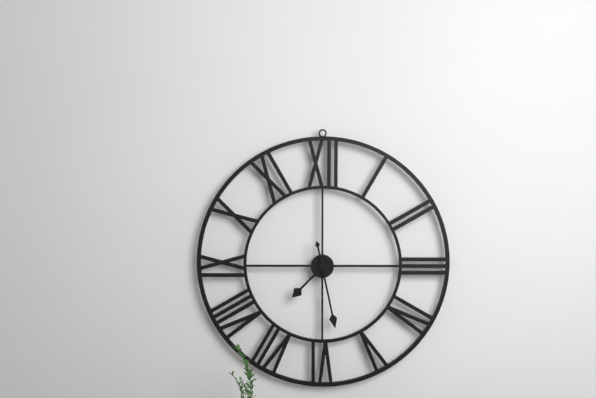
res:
7.28
